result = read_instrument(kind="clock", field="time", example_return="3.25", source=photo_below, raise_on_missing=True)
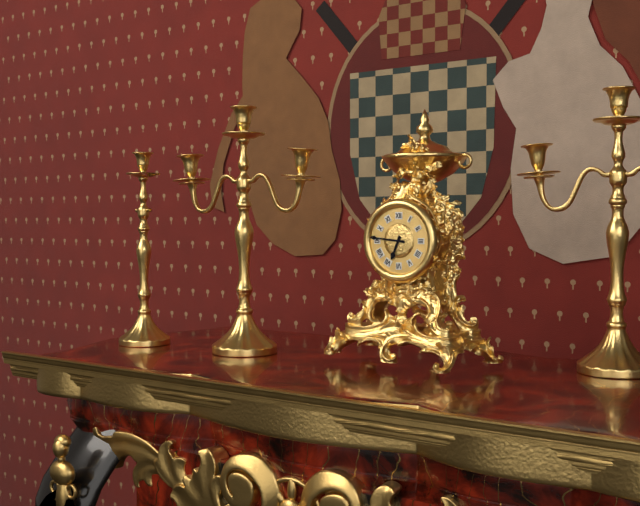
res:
6.46
